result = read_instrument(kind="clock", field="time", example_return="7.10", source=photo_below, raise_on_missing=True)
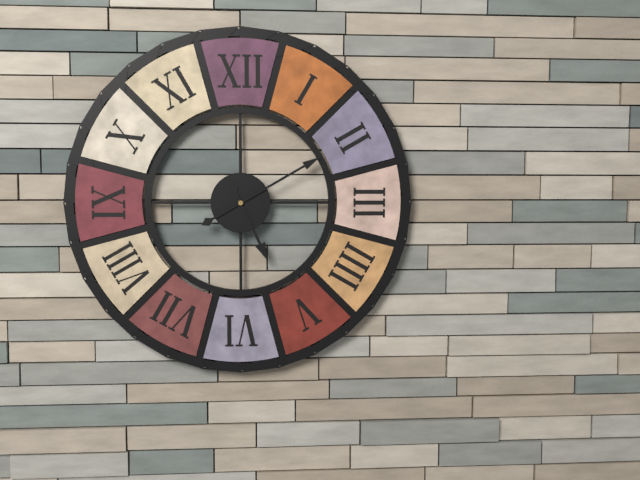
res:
5.10
